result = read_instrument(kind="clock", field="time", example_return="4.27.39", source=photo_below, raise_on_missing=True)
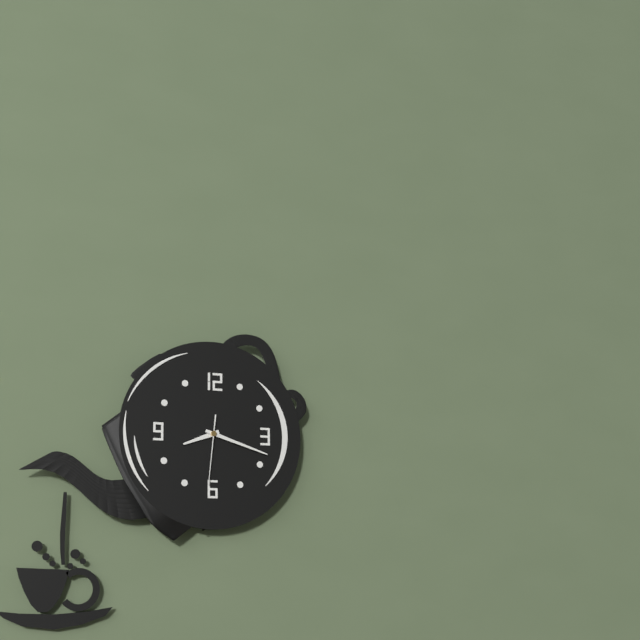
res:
8.18.31
